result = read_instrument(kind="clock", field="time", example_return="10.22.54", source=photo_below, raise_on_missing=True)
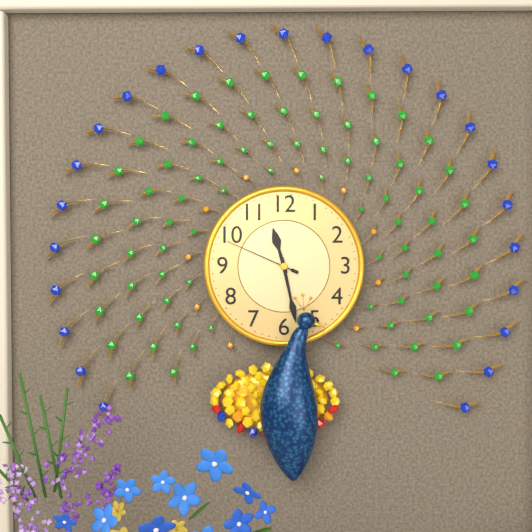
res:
11.28.49
